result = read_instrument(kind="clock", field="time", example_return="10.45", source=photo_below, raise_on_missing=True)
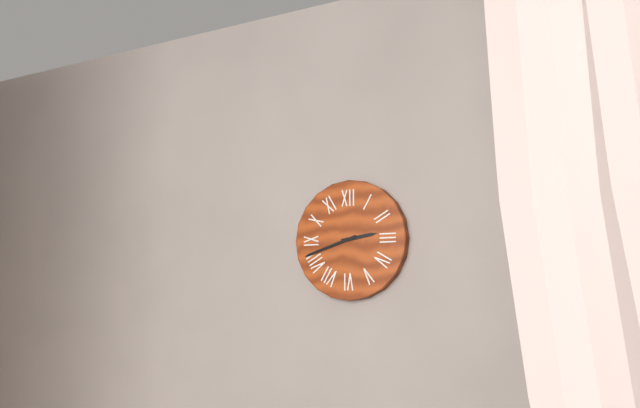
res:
2.42
